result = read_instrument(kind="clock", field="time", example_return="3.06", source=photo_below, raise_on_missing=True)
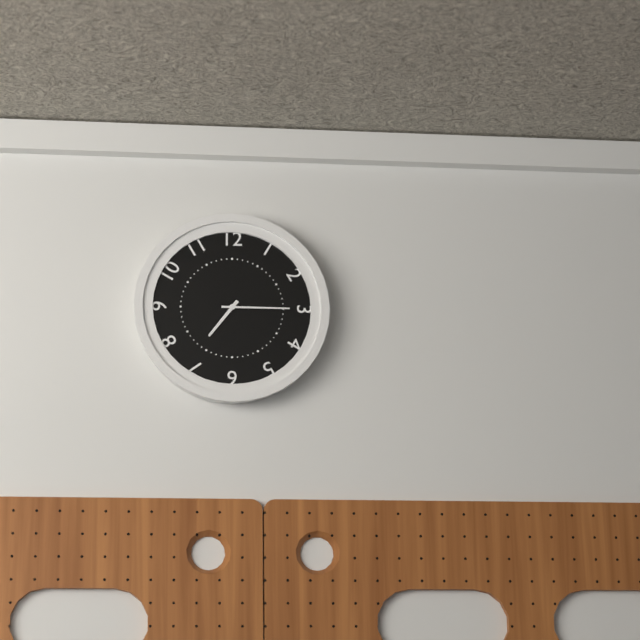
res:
7.15
